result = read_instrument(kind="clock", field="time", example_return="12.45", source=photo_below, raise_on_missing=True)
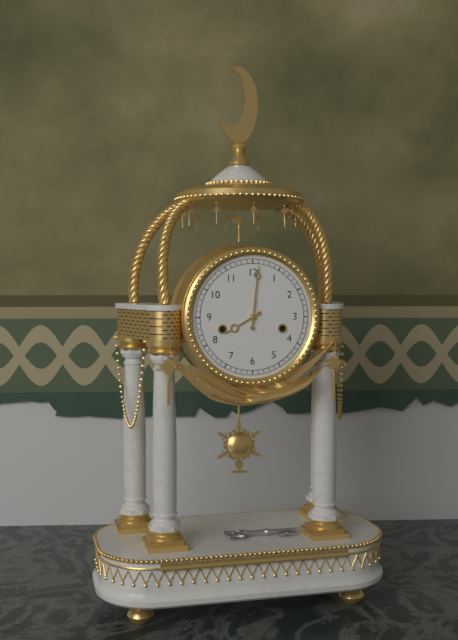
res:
8.01
